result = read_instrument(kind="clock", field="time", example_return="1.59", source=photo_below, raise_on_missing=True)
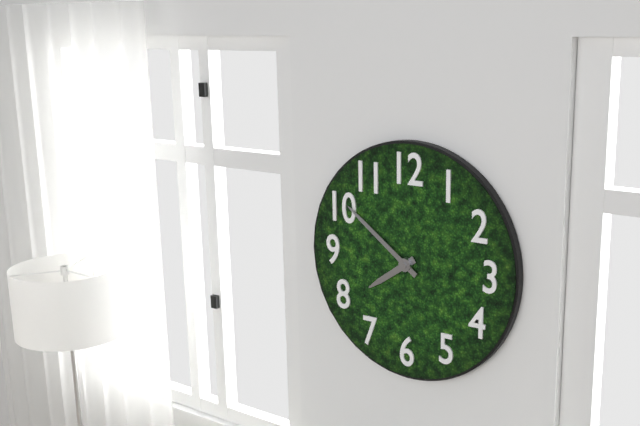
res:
7.51
